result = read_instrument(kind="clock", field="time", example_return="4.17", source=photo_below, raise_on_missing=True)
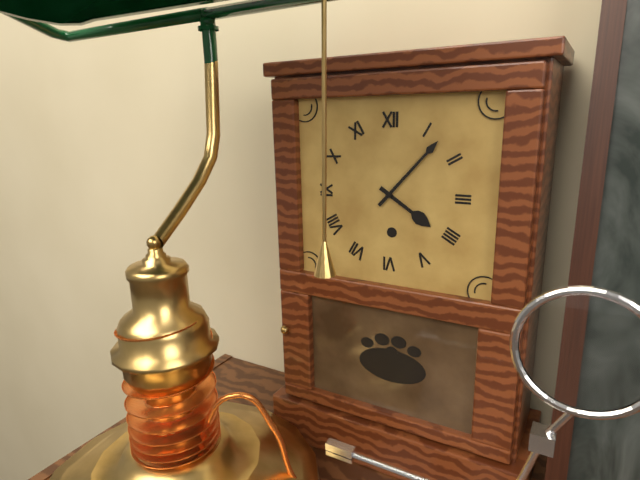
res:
4.07
